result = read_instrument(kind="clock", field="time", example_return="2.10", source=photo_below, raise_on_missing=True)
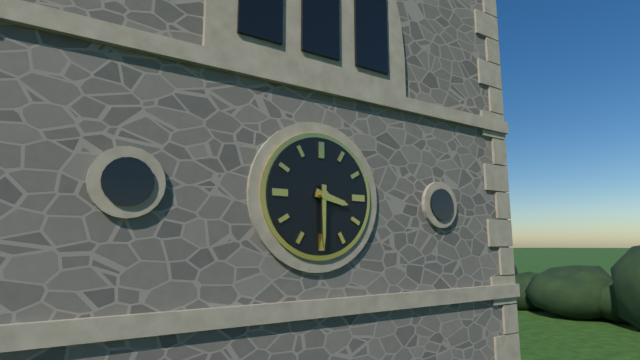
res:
3.30
